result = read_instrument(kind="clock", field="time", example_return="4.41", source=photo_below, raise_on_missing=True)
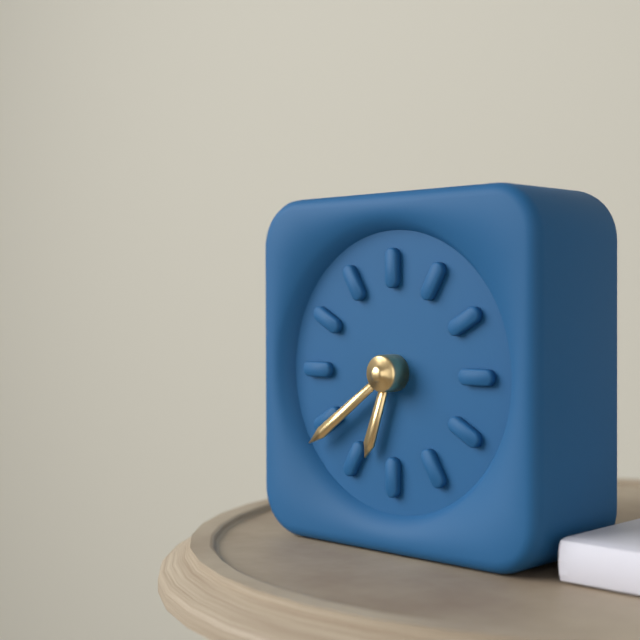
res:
6.39
